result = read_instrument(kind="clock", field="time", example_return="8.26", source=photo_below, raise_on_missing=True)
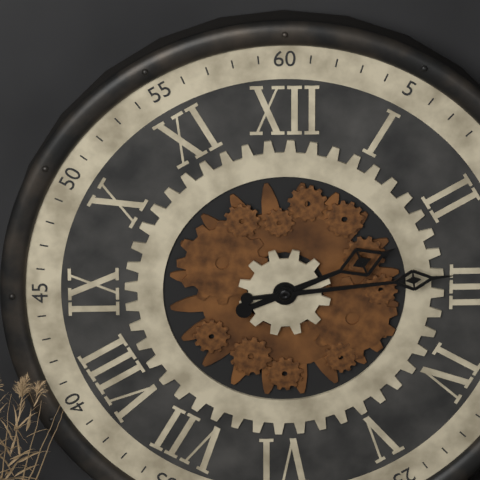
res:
2.14
